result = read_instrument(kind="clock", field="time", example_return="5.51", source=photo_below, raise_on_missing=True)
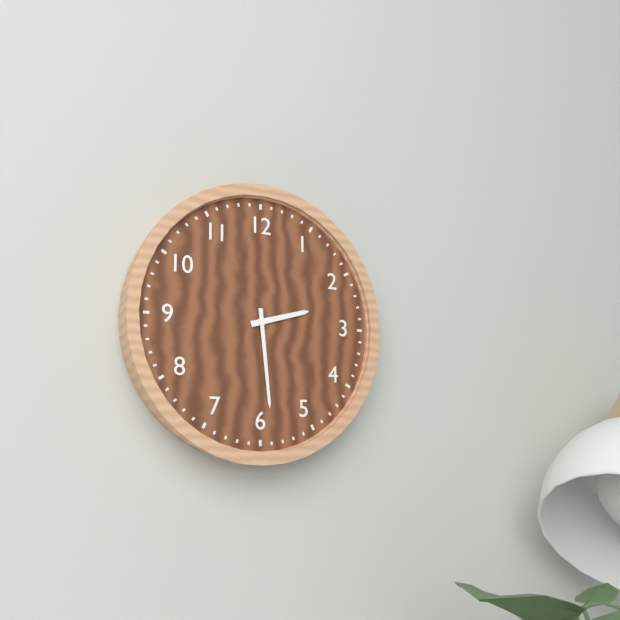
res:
2.29
